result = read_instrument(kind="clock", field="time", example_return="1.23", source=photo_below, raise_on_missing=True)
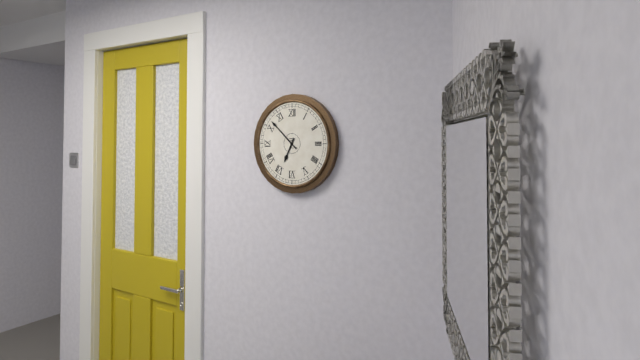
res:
6.52
